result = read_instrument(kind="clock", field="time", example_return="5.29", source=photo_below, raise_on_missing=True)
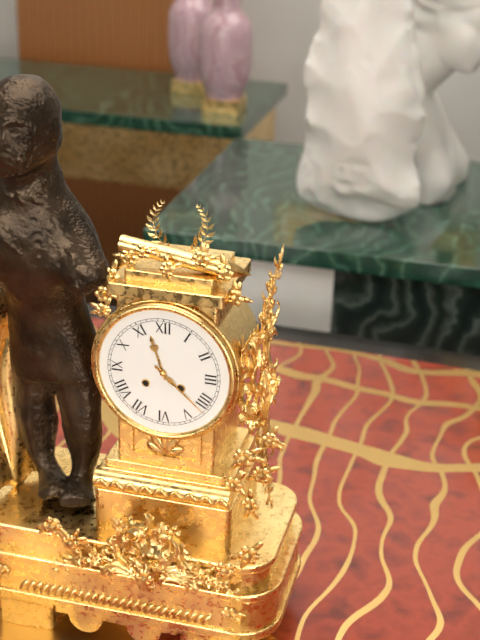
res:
11.22
